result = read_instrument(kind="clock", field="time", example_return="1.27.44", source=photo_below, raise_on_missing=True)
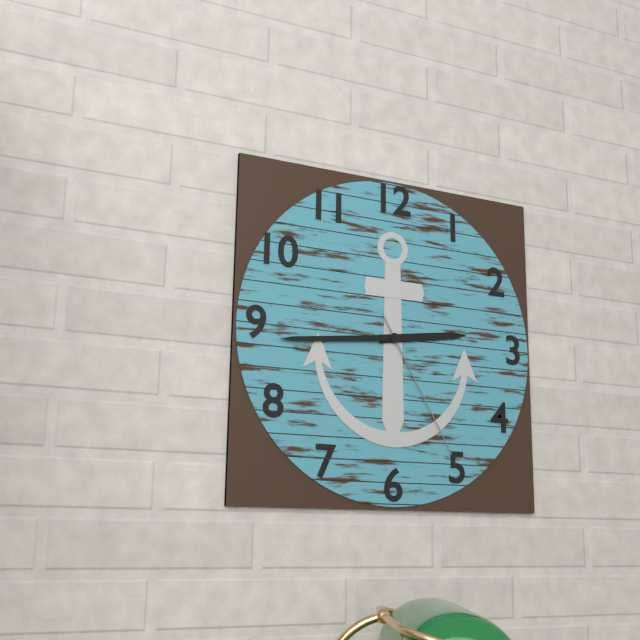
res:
2.44.25
